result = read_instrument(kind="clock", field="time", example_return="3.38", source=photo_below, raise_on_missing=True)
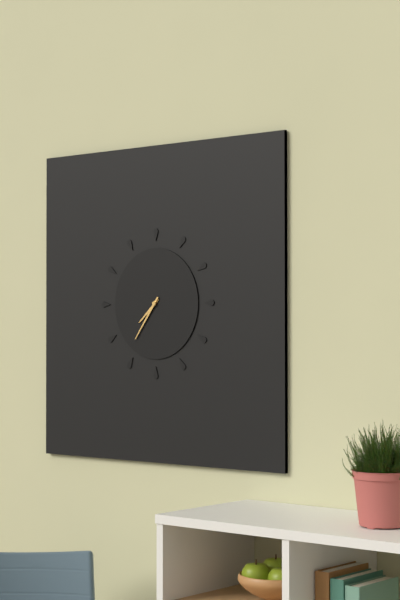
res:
7.36
